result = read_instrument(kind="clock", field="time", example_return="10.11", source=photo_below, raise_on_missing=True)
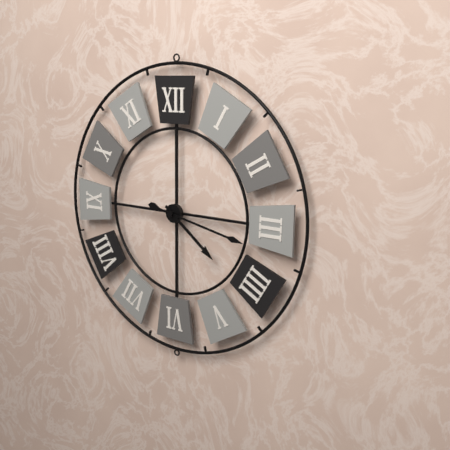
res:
4.17
